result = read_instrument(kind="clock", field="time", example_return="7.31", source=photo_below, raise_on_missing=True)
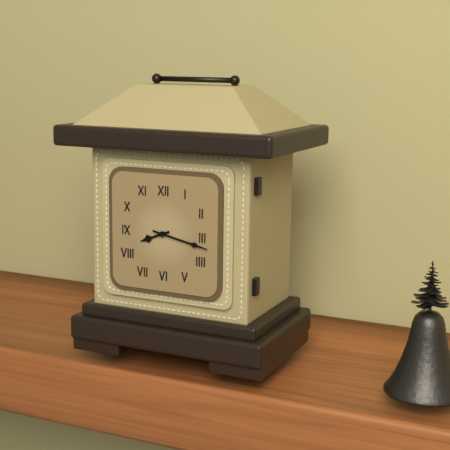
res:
8.17
